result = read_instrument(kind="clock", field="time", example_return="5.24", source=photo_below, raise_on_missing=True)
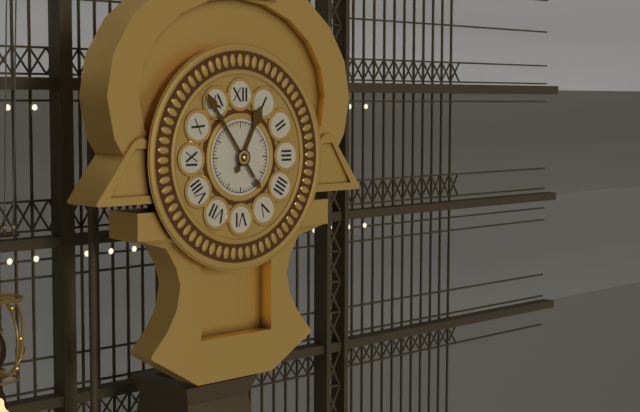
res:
12.54
